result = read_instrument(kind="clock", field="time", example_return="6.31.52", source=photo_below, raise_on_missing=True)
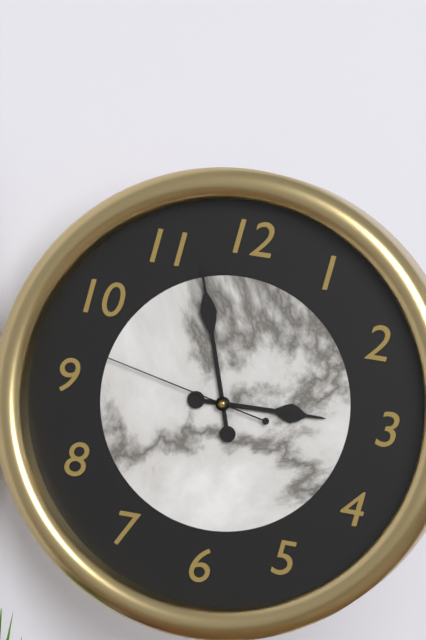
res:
2.57.47
